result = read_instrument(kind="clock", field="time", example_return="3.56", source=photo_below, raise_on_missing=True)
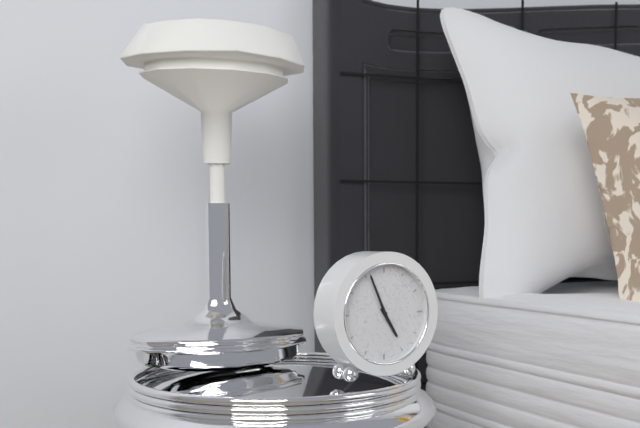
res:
4.56
